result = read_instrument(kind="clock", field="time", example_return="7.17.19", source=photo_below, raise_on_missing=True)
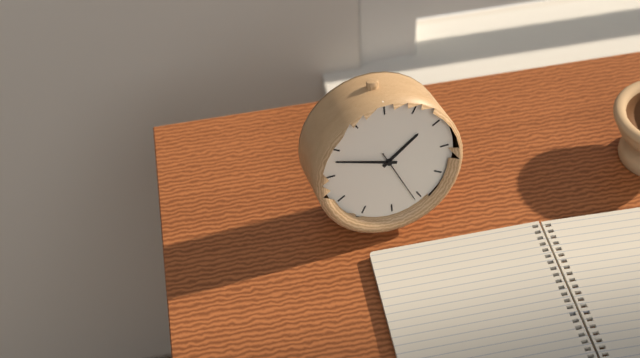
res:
1.48.26
